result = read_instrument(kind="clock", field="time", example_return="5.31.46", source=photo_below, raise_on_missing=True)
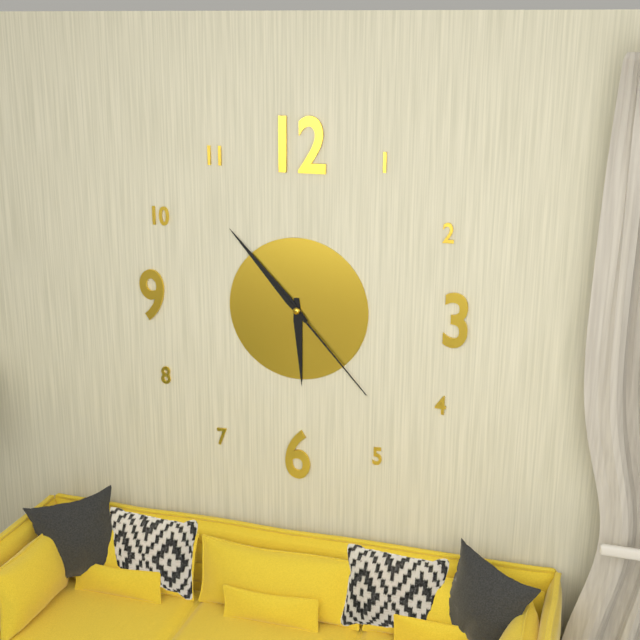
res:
5.53.23
